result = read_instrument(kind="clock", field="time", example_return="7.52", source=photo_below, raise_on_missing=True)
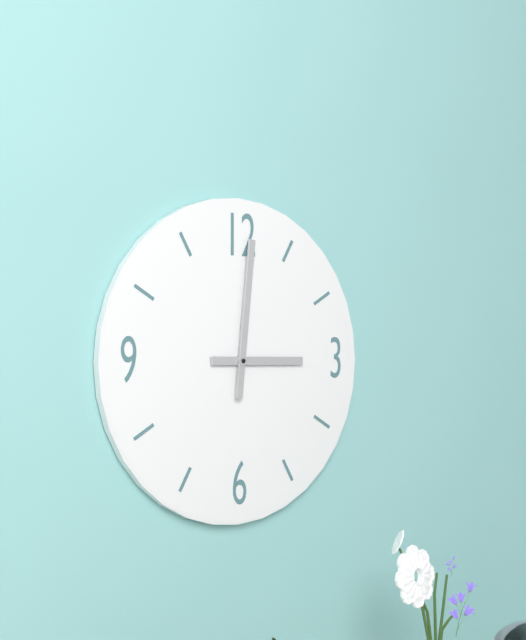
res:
3.01
